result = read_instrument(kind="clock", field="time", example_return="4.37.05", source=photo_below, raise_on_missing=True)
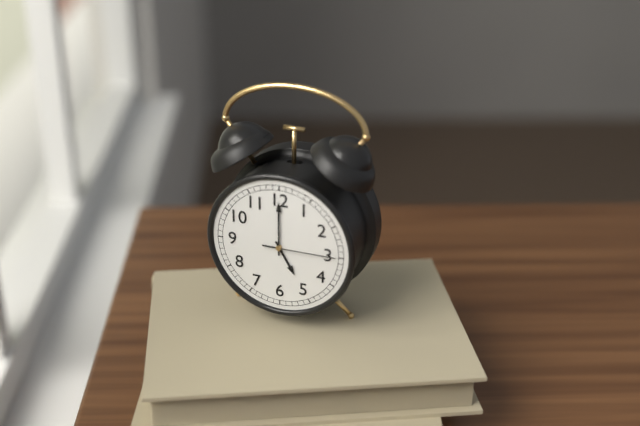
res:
5.00.15
